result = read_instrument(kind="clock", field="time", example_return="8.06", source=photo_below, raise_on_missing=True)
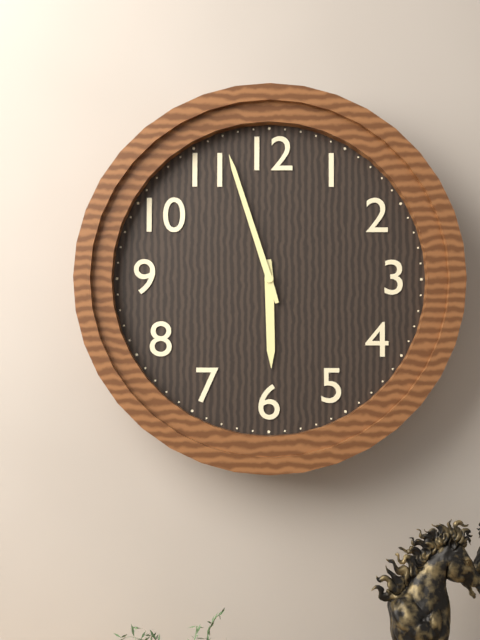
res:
5.57
